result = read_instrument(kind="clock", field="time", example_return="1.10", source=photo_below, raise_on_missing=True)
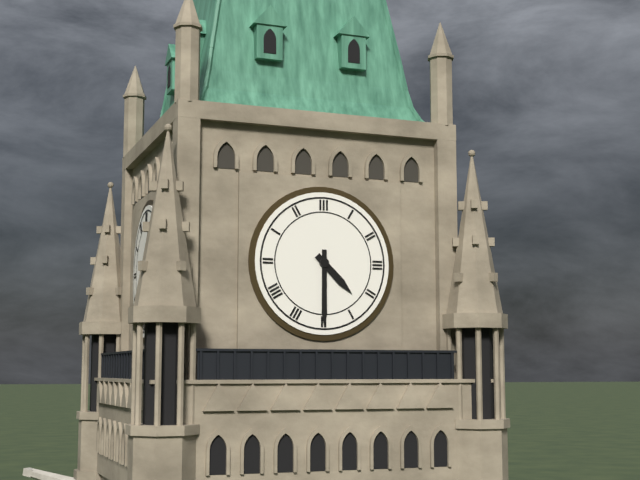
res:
4.30
